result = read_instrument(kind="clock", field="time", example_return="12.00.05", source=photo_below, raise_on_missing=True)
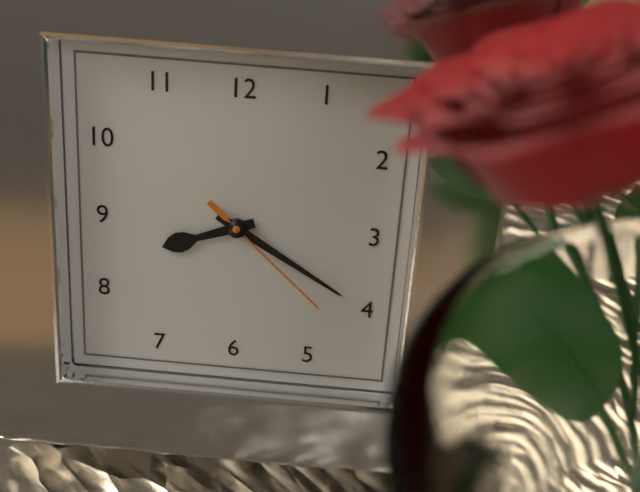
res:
8.20.22
